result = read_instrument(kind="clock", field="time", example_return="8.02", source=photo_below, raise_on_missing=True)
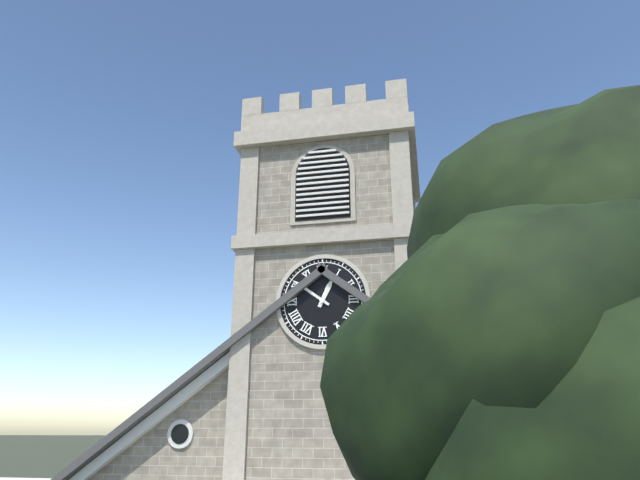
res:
12.51
